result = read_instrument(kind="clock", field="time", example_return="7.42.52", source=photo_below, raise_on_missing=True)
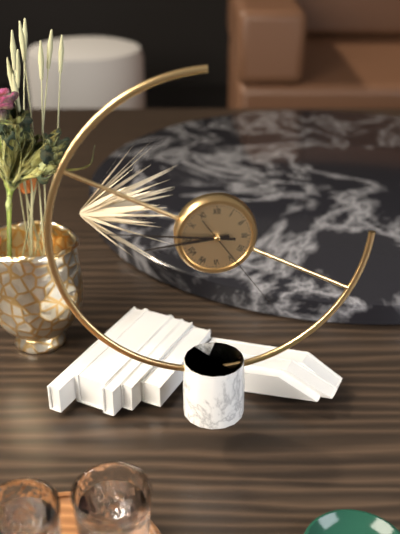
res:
8.46.24
